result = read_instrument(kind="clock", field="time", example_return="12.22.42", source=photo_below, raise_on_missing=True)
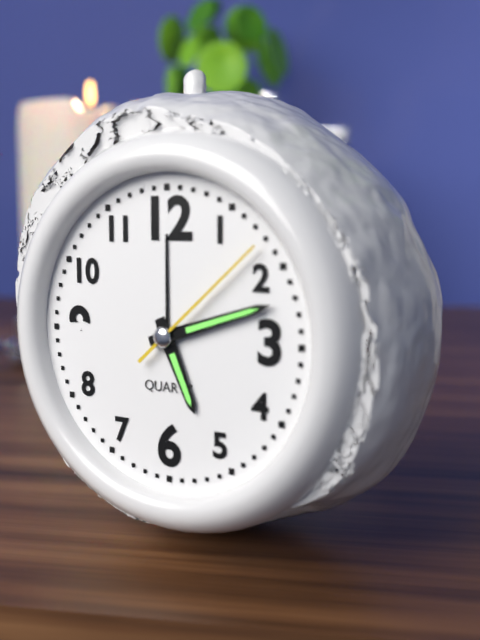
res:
5.12.08
